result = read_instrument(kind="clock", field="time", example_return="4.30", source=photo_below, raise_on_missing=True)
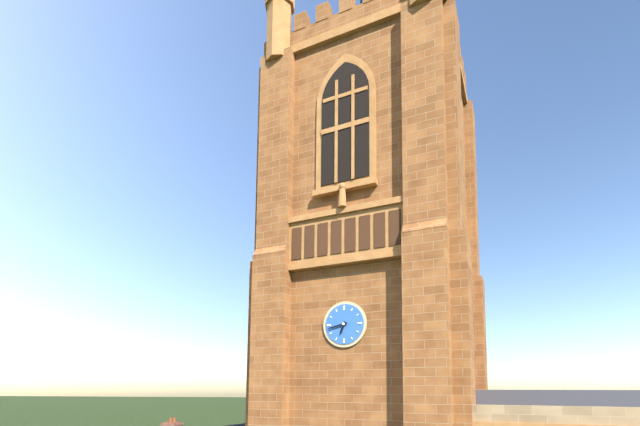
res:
6.43
